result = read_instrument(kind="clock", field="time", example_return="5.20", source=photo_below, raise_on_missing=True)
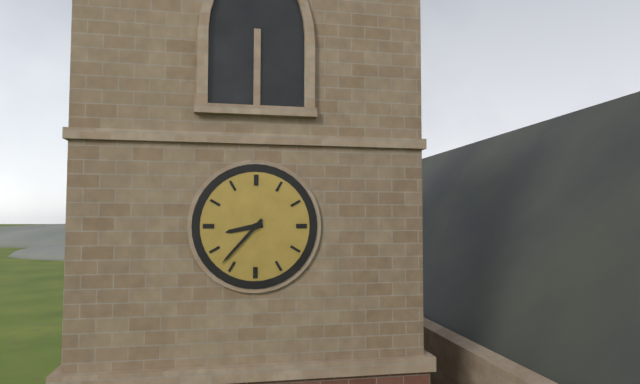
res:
8.37
